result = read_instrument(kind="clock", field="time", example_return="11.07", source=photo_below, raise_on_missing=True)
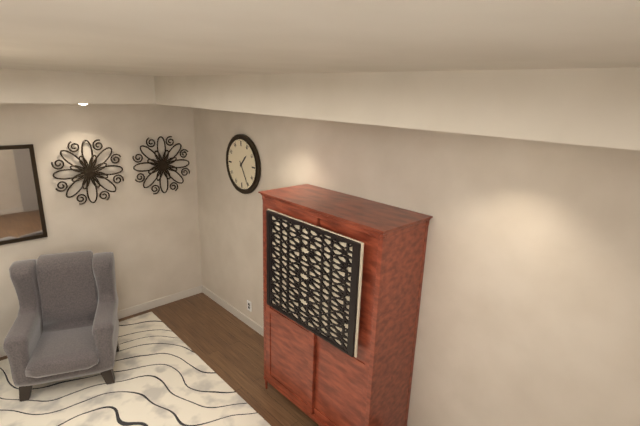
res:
1.25
